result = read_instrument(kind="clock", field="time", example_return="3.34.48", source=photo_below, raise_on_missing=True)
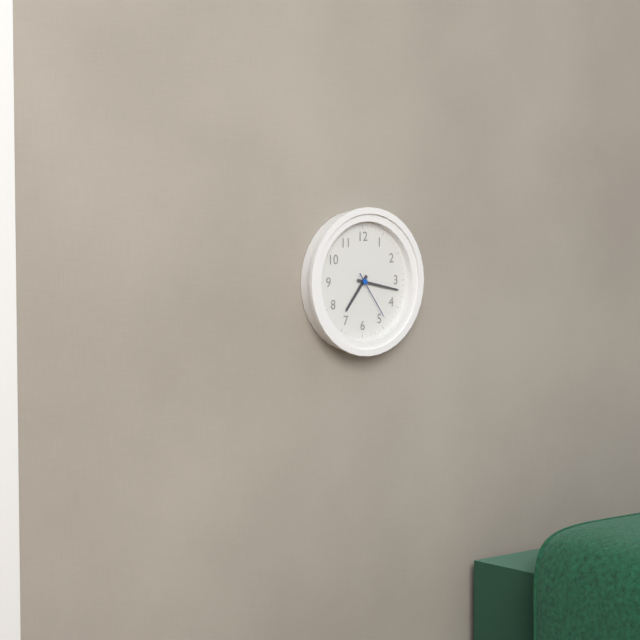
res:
7.17.24
